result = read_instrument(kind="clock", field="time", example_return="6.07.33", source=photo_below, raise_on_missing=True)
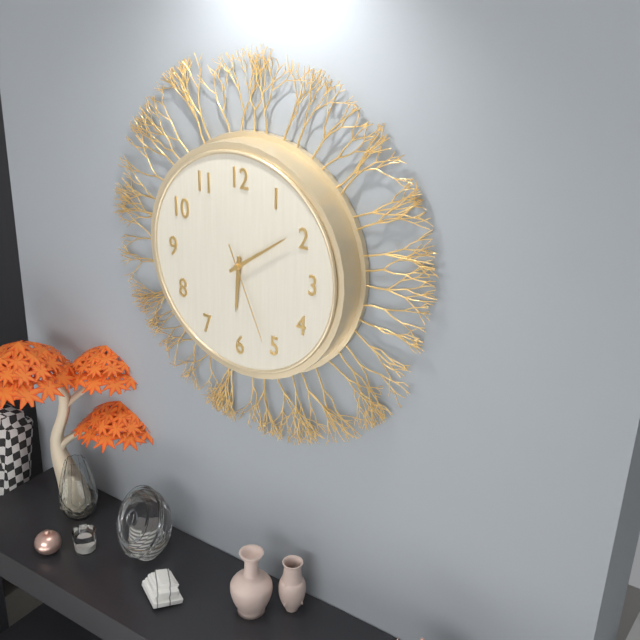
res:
6.09.26
